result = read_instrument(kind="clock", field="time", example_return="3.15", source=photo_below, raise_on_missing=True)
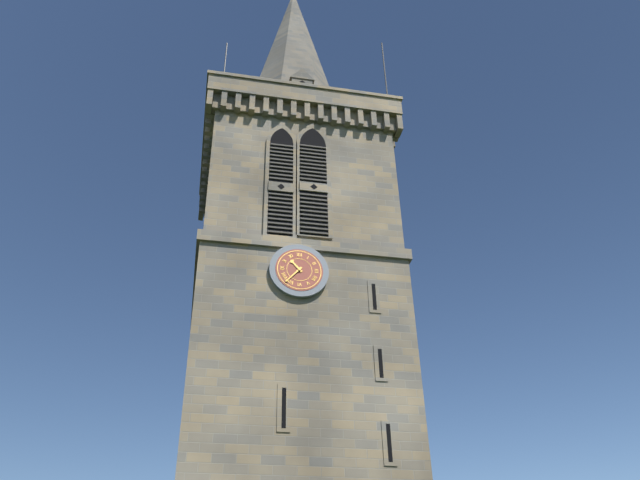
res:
10.37
